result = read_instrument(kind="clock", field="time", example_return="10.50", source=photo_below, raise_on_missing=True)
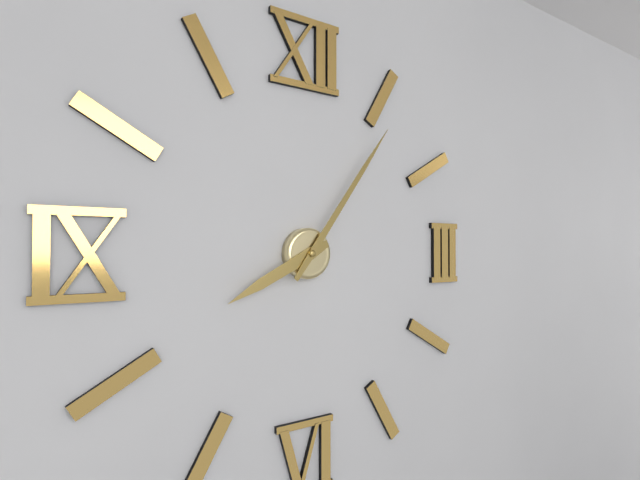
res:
8.06
